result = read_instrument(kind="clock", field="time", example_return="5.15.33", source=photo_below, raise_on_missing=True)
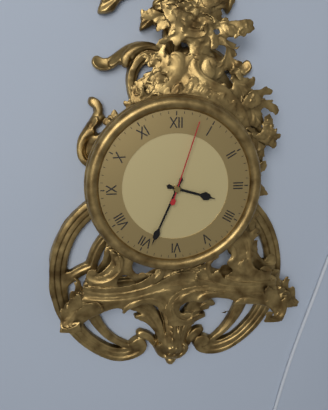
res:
3.34.03
